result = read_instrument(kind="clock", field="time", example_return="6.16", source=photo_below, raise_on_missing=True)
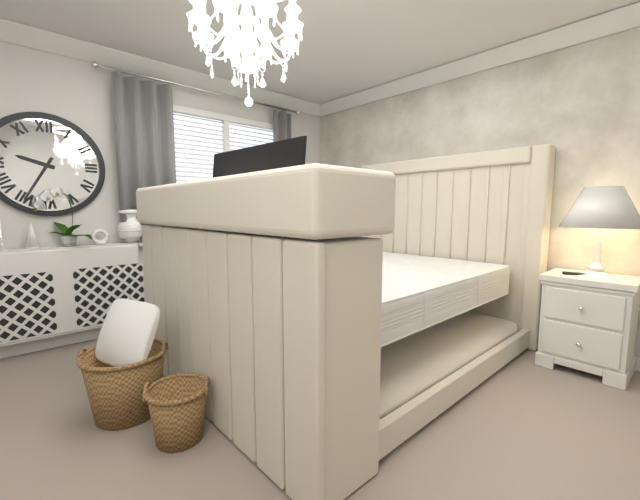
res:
9.35
